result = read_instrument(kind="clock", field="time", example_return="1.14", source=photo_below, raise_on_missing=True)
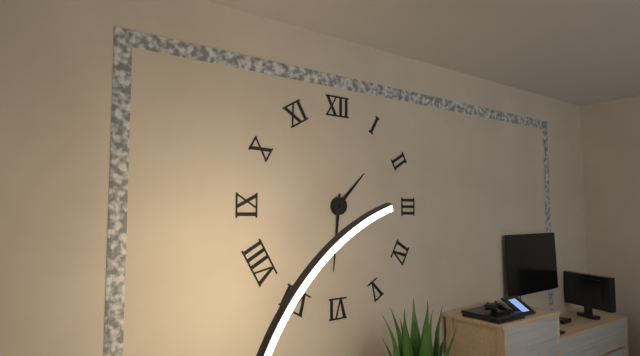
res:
1.31
